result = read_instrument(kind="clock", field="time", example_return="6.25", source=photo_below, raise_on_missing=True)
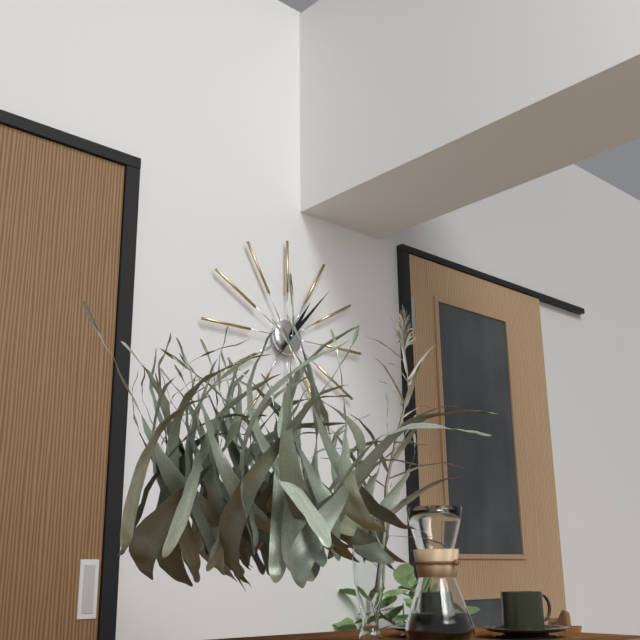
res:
1.07
